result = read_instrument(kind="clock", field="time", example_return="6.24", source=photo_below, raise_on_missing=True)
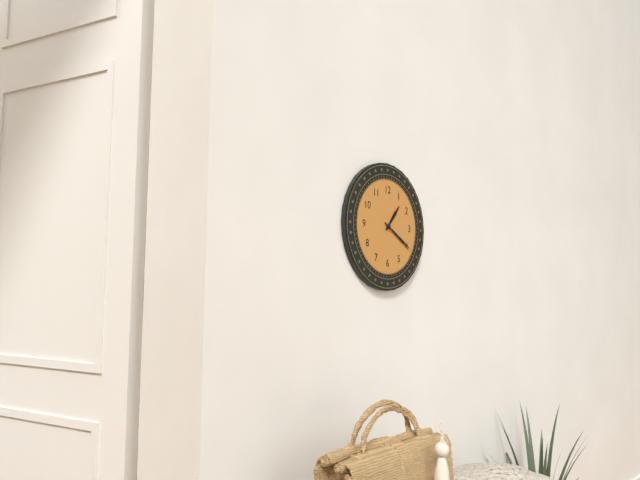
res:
1.20
